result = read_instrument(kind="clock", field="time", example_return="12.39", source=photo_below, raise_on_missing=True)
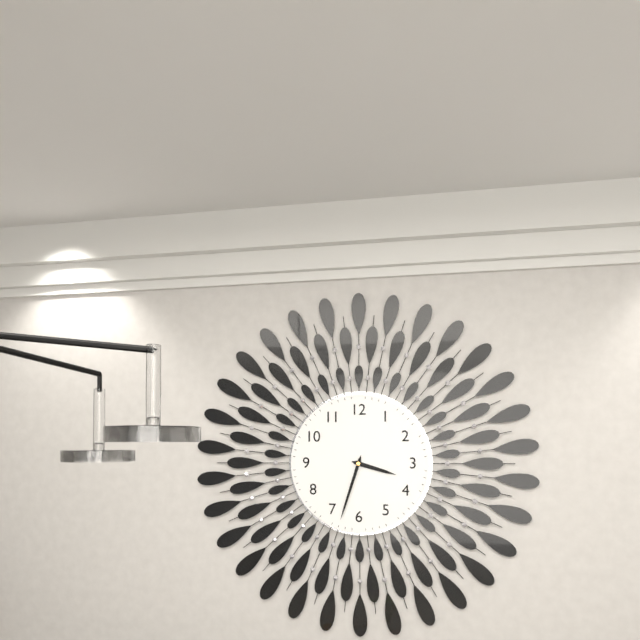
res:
3.33
